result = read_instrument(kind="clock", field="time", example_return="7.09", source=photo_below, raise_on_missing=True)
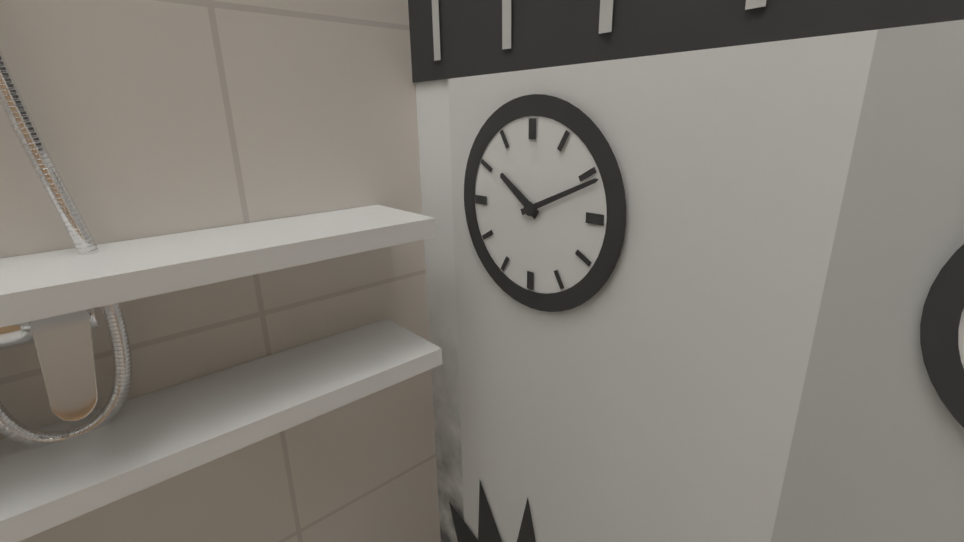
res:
10.11
